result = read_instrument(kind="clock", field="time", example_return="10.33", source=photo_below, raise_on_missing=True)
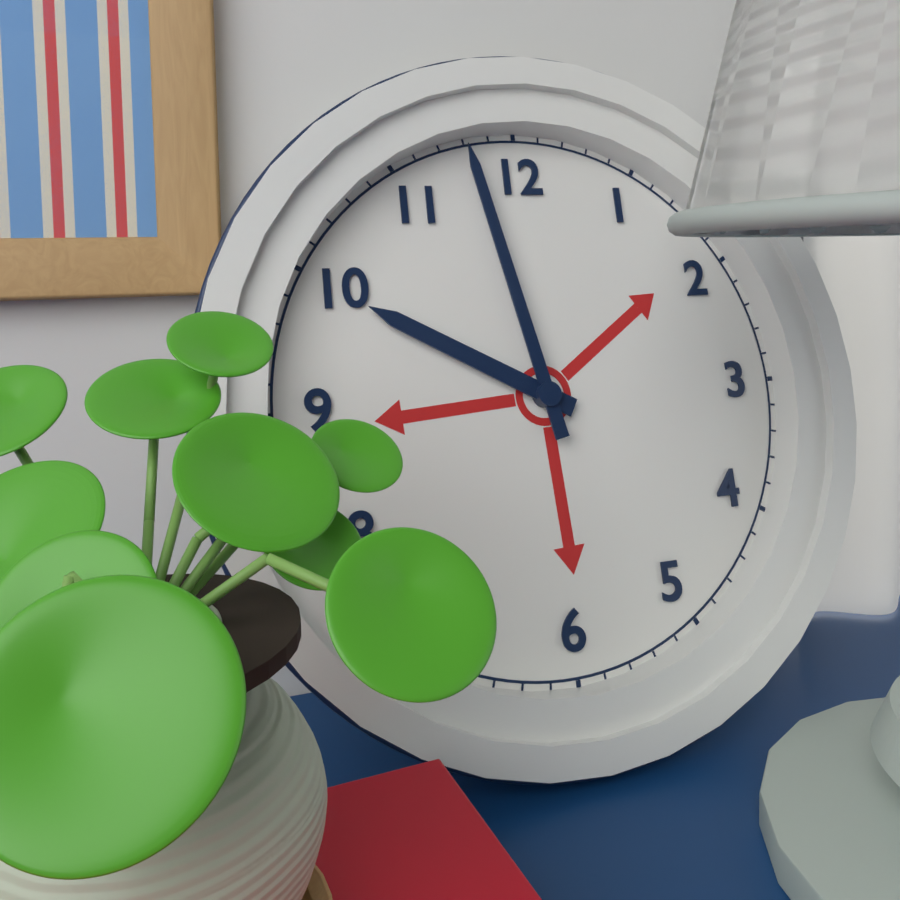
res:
9.58
